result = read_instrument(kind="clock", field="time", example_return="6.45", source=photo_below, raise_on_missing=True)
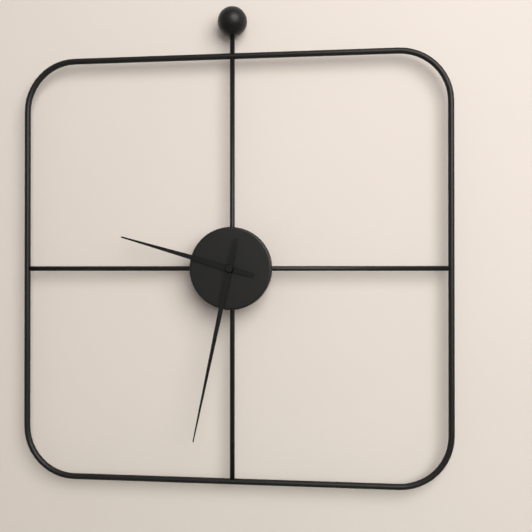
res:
9.32
